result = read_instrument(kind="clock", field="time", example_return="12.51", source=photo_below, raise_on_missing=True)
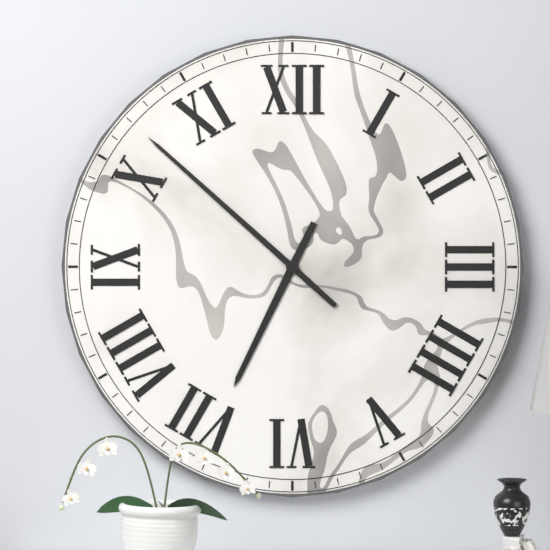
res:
6.52
